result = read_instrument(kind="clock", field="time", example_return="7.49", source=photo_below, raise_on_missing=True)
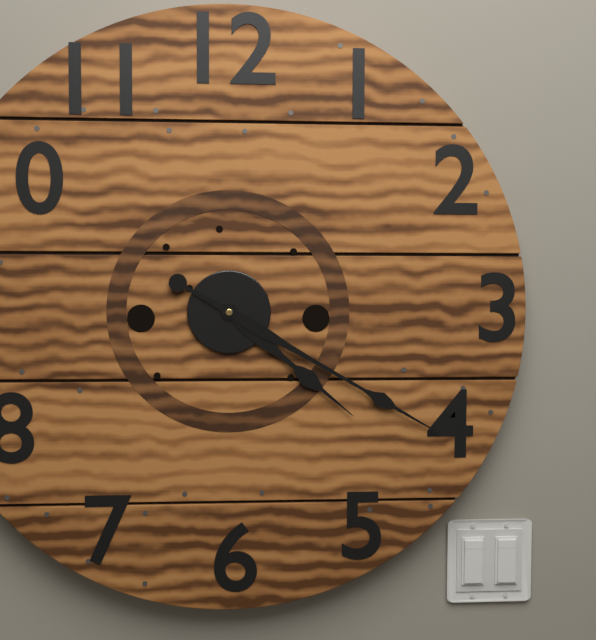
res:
4.20
